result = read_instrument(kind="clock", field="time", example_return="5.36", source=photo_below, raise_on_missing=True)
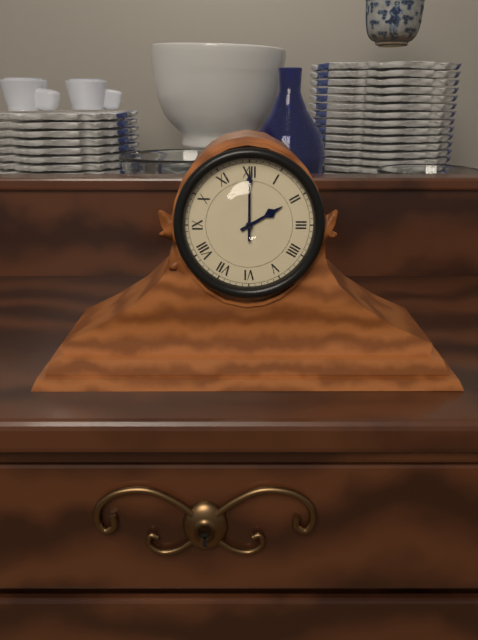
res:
2.00
